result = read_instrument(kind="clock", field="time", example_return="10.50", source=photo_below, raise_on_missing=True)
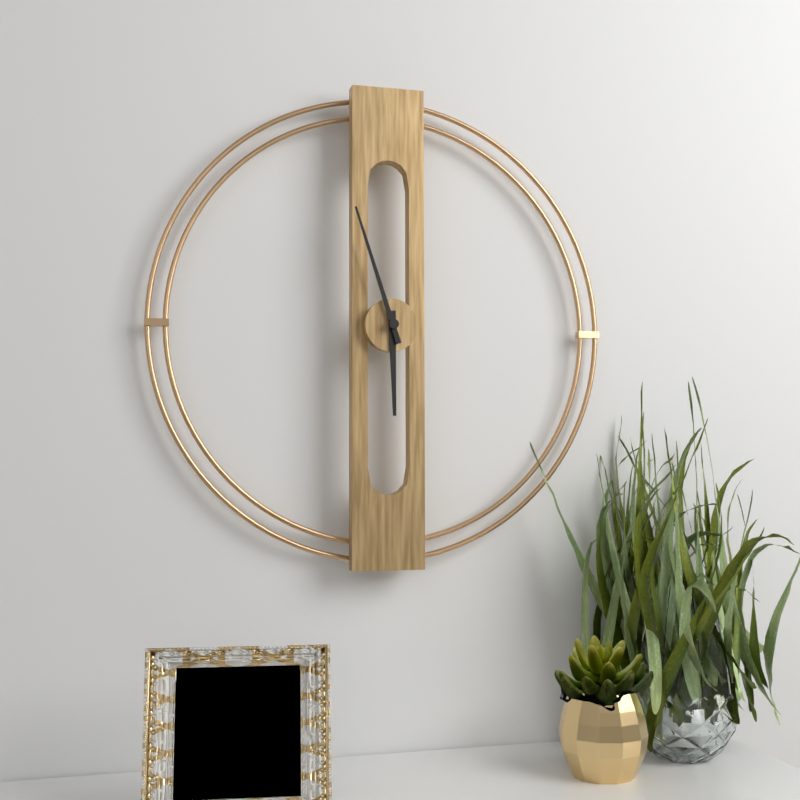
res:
5.57
